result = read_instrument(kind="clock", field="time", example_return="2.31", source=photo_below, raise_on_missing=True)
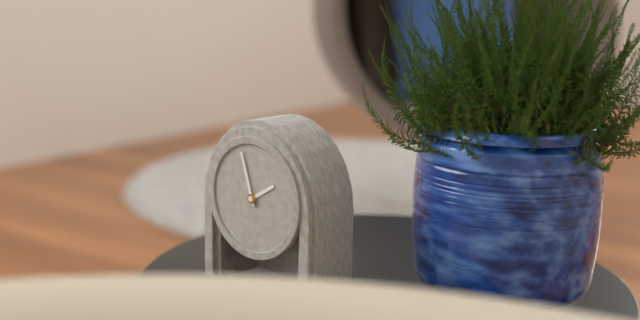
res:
1.57
